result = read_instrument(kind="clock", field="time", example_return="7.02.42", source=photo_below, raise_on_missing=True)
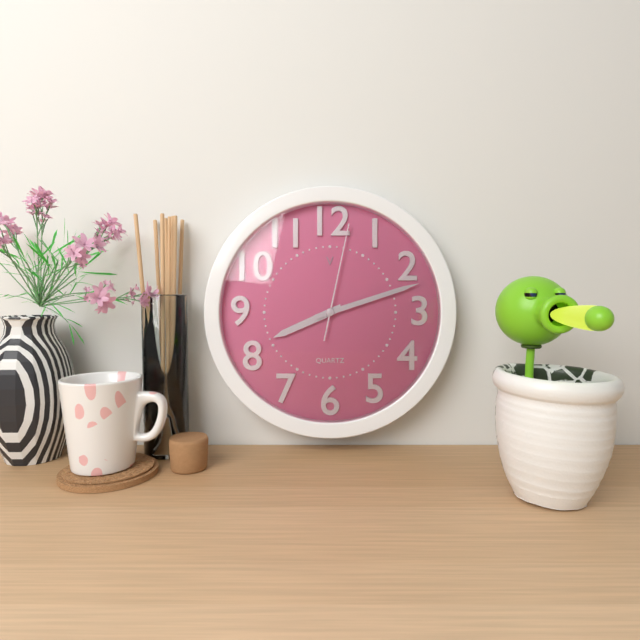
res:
8.12.02
